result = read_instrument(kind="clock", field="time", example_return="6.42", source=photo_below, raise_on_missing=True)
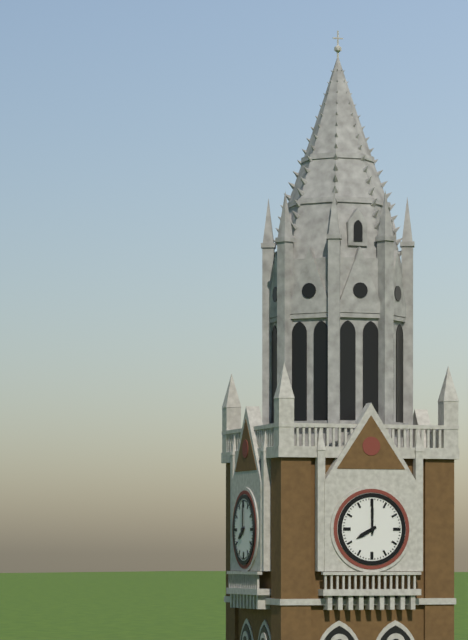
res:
8.00
